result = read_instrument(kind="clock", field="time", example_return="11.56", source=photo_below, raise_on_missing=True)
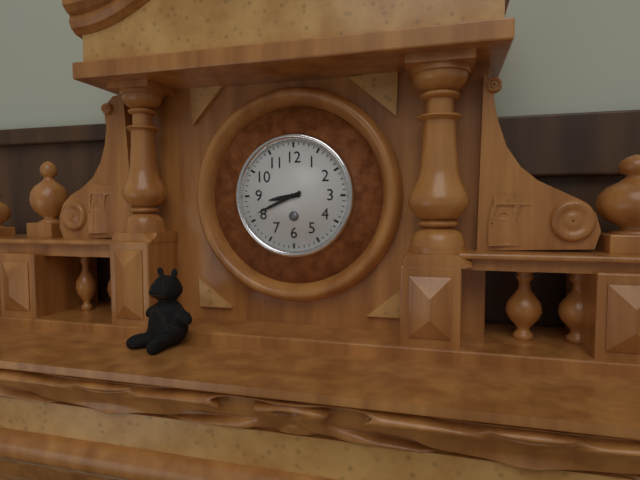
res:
8.41
